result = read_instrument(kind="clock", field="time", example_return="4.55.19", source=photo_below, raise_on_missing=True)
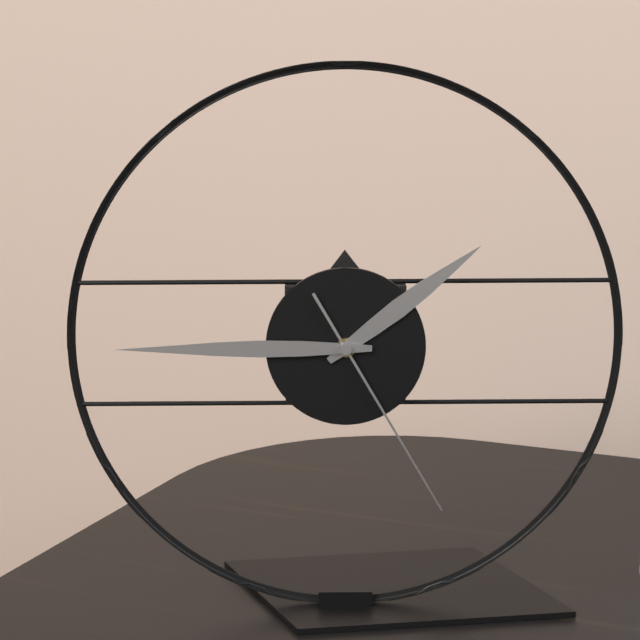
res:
1.45.25
